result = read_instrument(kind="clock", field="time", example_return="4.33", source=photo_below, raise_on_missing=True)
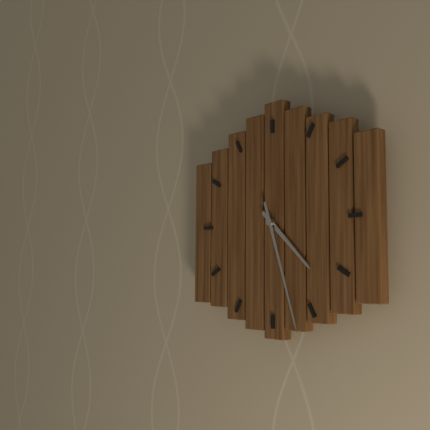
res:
4.27
